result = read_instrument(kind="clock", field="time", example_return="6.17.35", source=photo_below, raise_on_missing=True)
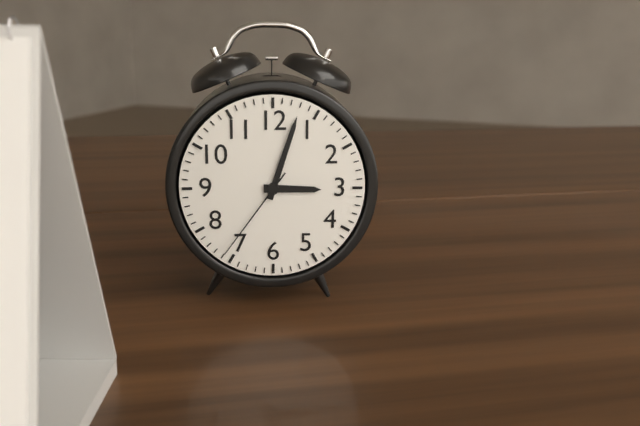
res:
3.03.36
